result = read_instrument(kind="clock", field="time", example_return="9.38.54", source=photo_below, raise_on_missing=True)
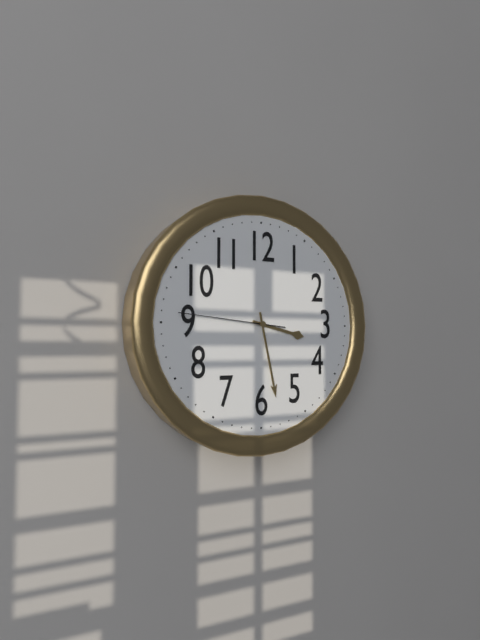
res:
3.28.46
